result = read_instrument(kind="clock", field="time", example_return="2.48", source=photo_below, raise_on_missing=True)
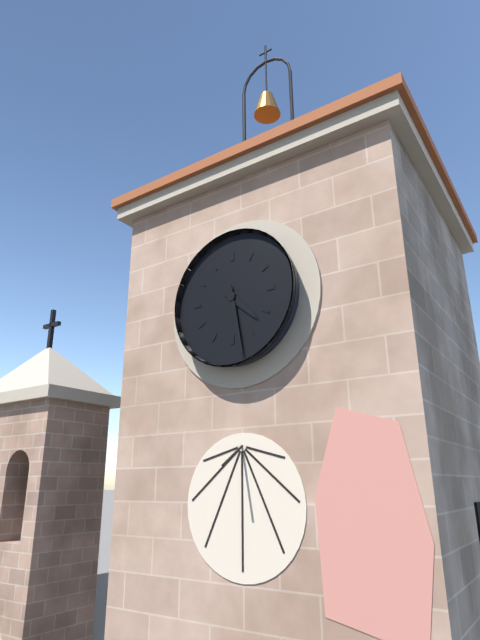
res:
4.28
